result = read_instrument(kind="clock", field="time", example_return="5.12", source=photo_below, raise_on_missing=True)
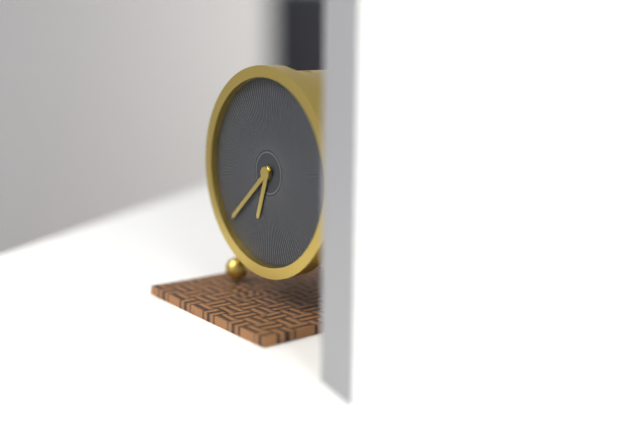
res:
6.38
